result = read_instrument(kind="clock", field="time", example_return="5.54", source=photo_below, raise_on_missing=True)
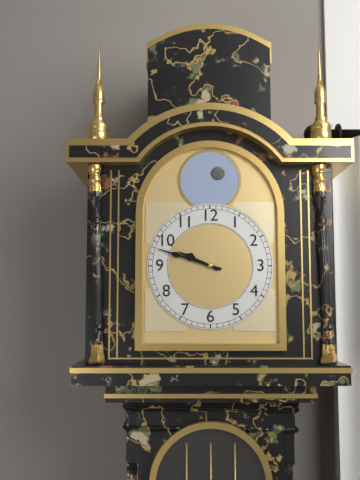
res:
9.48
